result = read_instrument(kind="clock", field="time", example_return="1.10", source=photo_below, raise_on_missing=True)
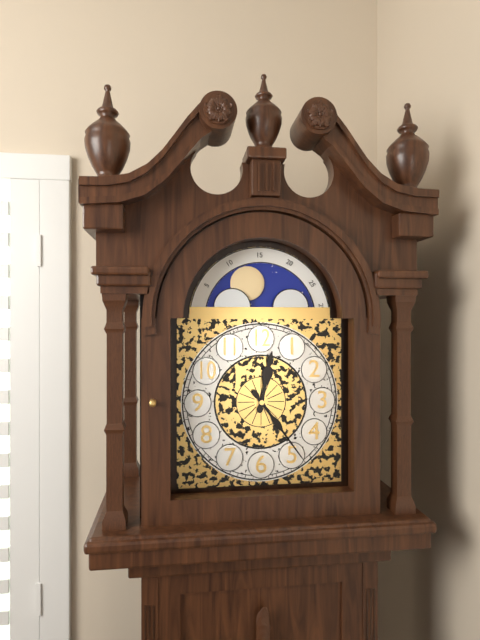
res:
12.24
